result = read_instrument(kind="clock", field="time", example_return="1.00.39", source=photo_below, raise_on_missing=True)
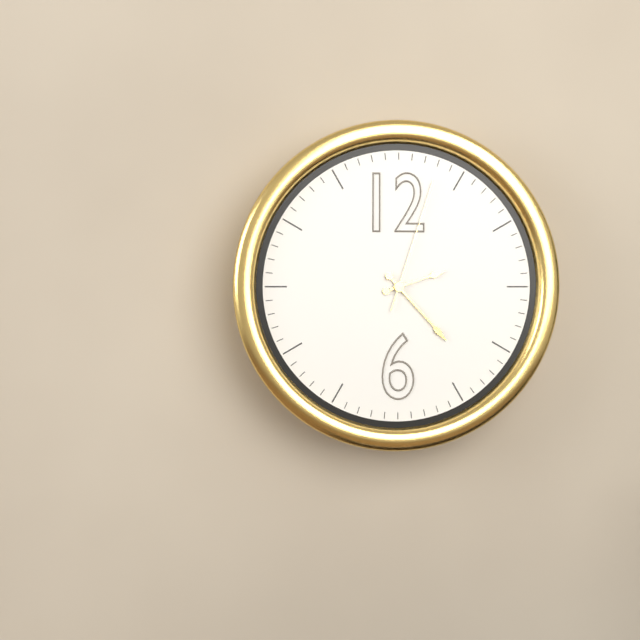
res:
2.23.03
